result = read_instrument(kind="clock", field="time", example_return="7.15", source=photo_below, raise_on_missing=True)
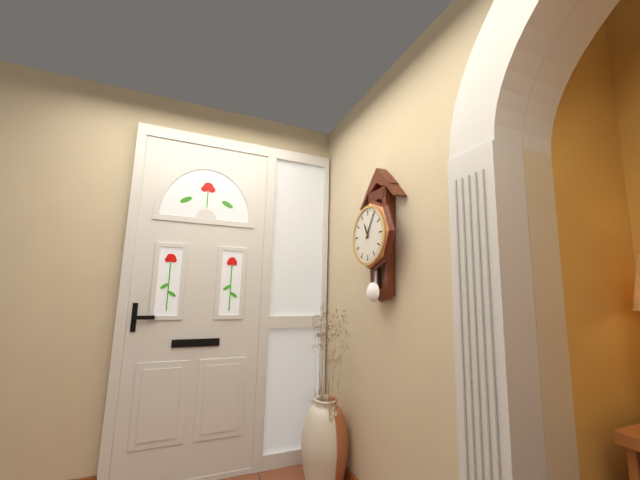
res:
11.05
